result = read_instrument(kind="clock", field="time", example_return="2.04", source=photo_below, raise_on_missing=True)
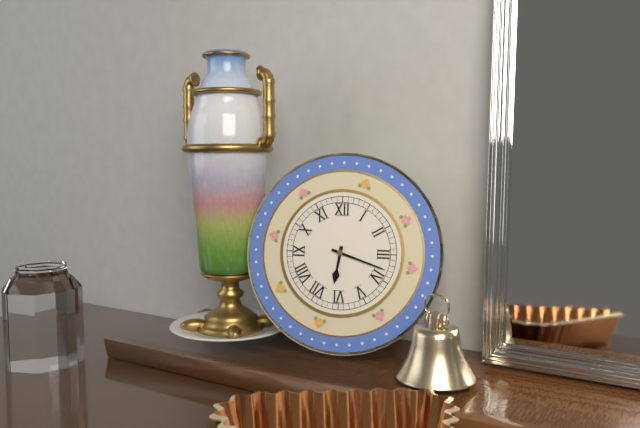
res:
6.18
